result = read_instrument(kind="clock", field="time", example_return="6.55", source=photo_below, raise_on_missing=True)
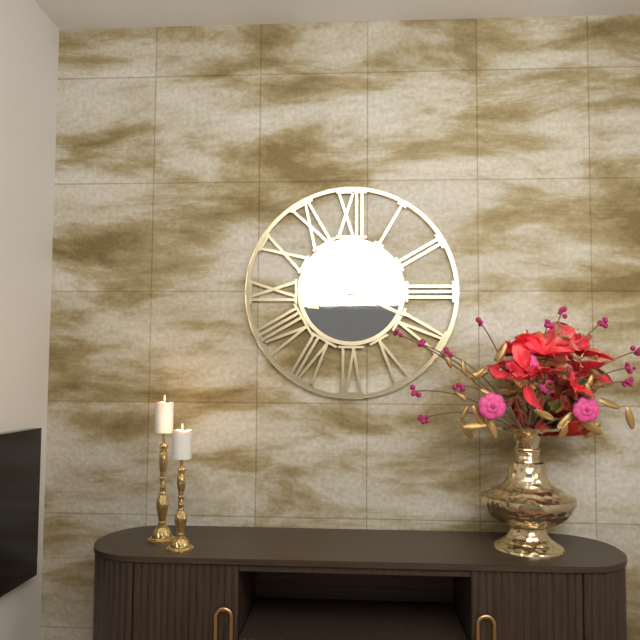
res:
8.19
